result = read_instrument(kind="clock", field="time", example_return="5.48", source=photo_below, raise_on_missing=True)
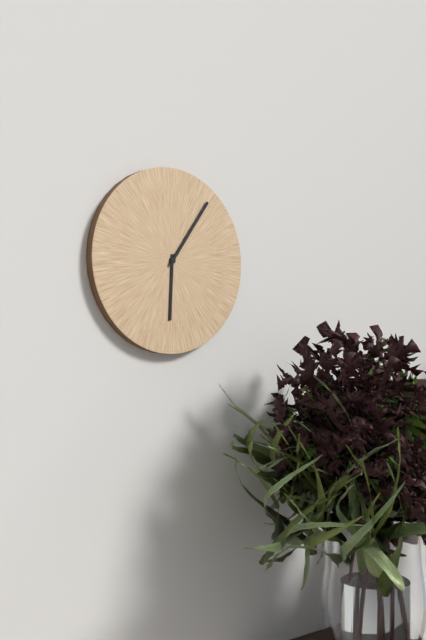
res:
6.06
